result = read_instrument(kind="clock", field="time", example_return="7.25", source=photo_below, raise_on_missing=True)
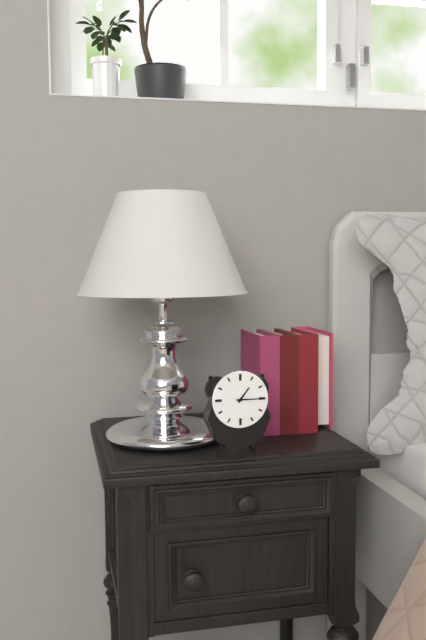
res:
1.15
